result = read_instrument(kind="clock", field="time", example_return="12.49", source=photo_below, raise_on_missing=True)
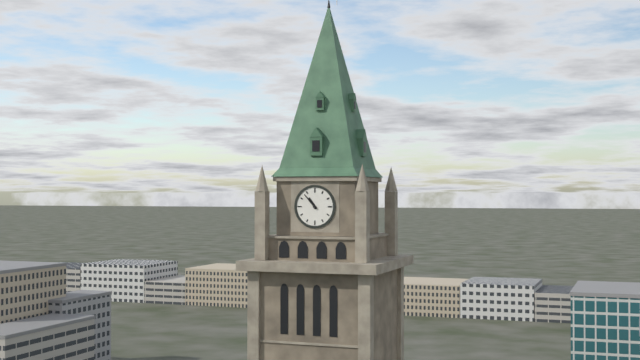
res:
10.53
